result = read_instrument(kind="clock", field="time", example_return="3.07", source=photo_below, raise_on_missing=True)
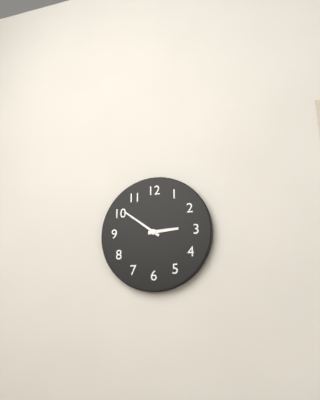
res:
2.51
